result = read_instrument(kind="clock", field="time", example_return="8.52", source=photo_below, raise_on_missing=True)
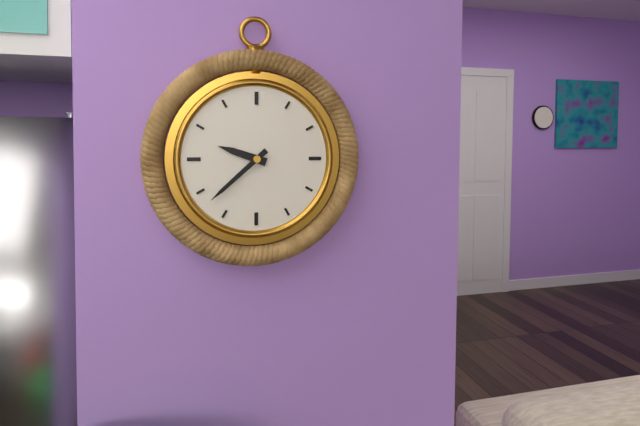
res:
9.38
